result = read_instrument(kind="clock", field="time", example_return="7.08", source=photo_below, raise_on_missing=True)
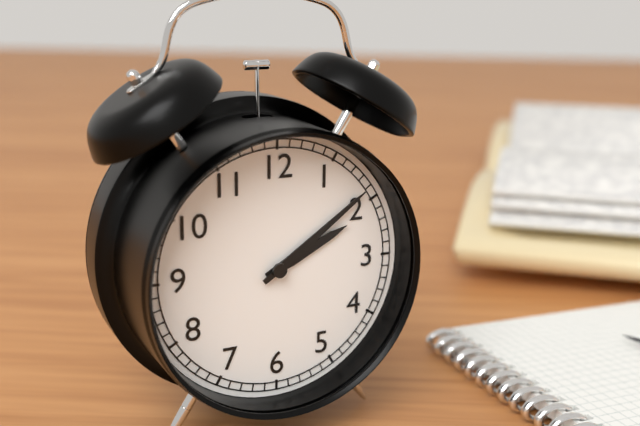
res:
2.09
